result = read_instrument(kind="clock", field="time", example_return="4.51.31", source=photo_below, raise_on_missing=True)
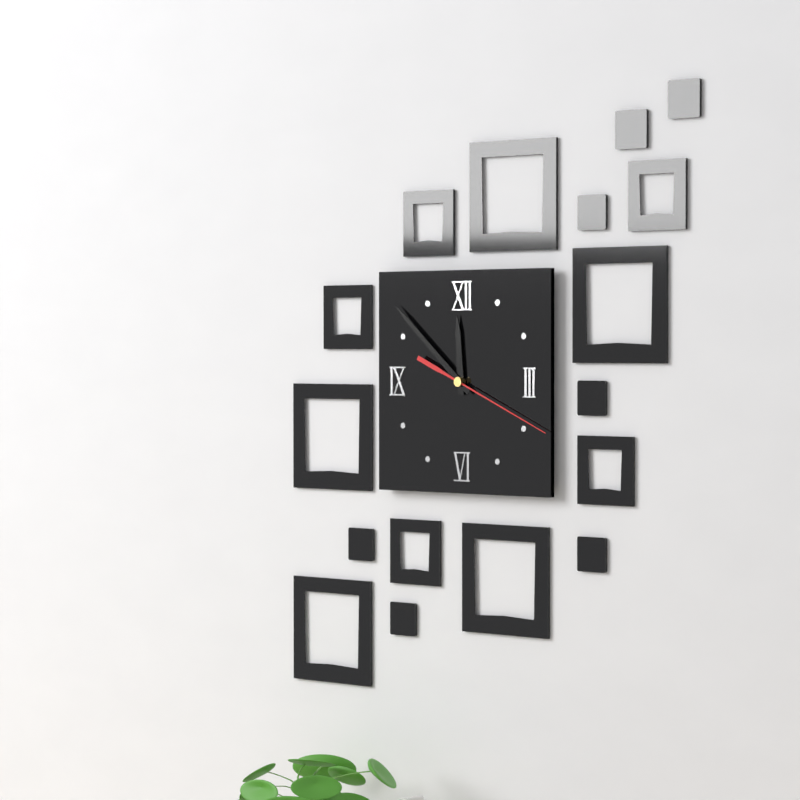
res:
11.52.19
